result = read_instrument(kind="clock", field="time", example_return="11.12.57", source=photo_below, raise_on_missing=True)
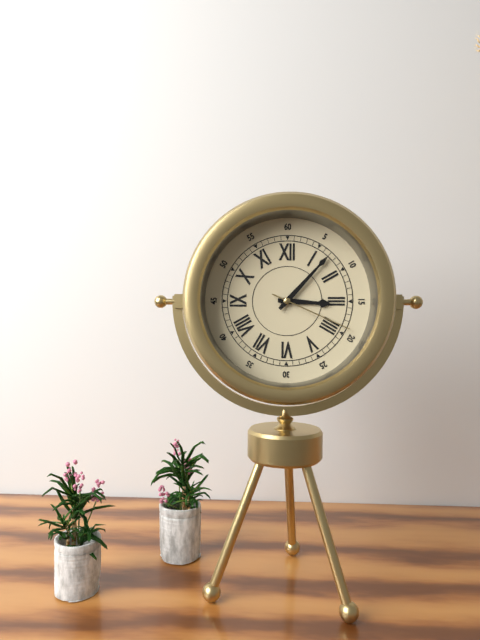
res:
3.07.19
